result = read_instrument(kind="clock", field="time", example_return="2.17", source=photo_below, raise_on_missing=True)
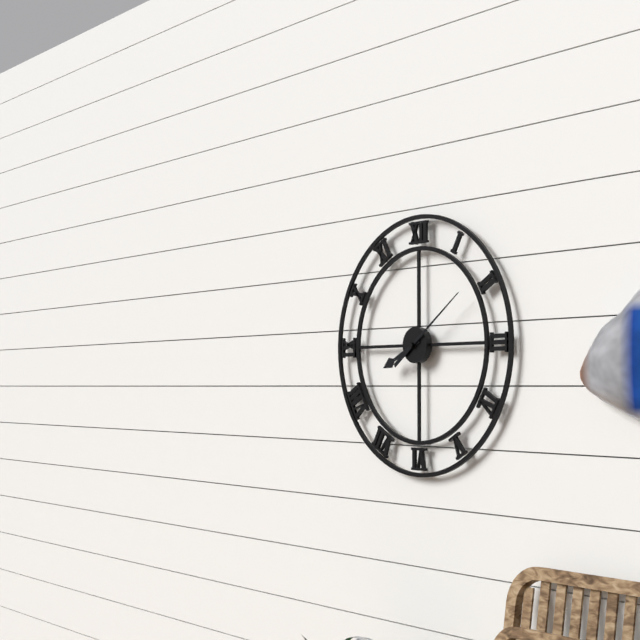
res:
8.09
